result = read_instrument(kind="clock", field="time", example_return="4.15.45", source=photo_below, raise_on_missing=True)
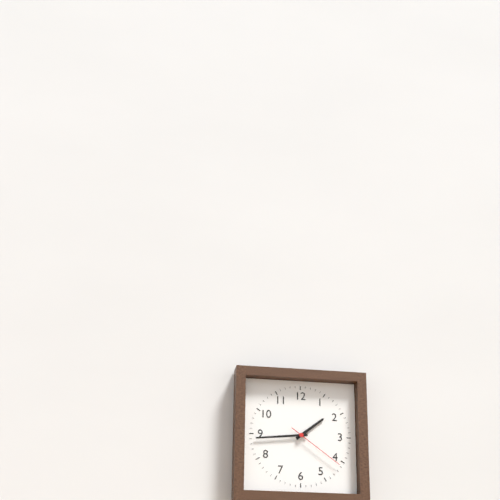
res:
1.44.21
